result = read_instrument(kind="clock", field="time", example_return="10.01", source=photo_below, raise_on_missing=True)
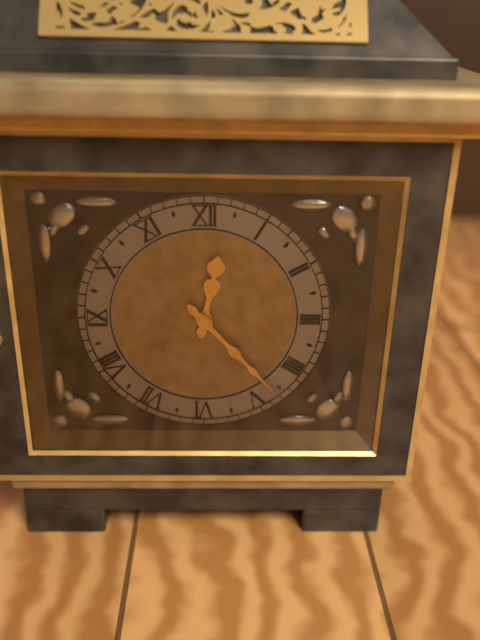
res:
12.23
